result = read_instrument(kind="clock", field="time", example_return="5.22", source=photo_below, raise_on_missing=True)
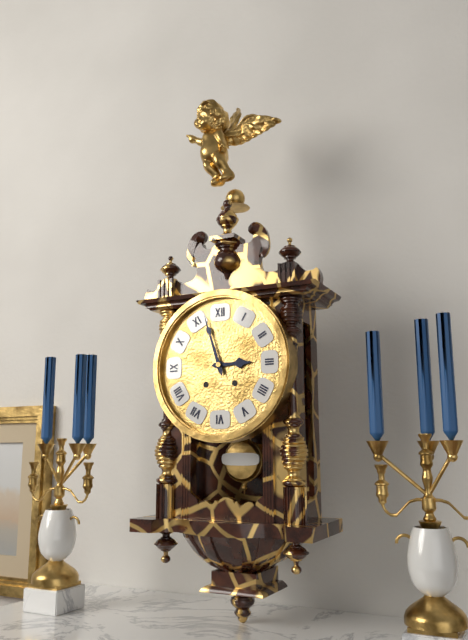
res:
2.57
